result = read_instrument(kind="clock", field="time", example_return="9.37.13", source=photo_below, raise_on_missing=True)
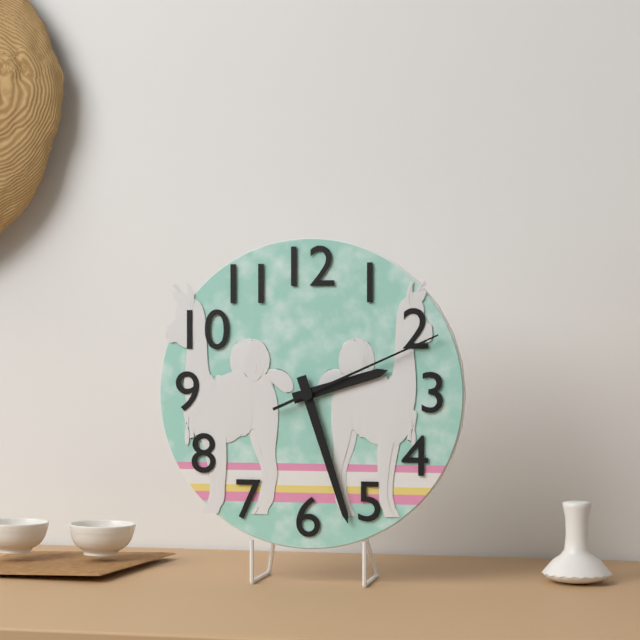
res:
2.27.11
